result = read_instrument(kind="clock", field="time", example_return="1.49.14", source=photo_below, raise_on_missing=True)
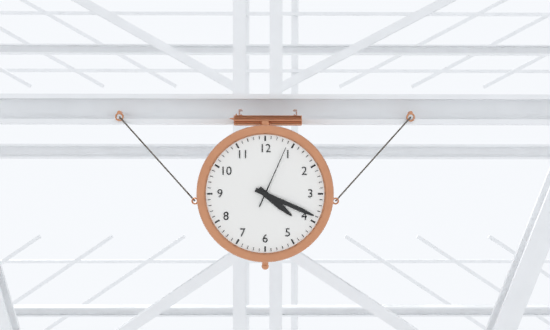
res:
4.19.04
